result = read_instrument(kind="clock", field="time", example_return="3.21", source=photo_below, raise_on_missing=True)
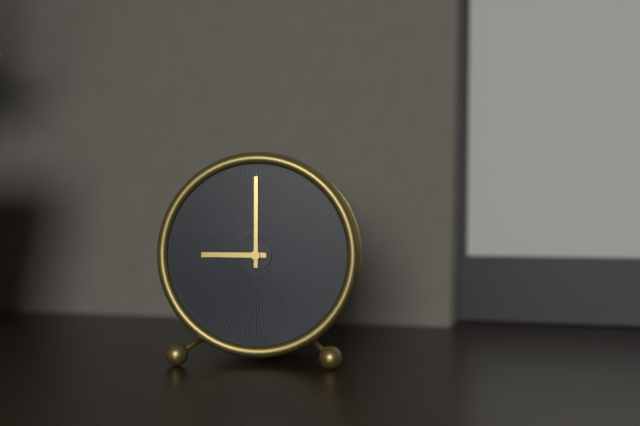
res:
9.00
